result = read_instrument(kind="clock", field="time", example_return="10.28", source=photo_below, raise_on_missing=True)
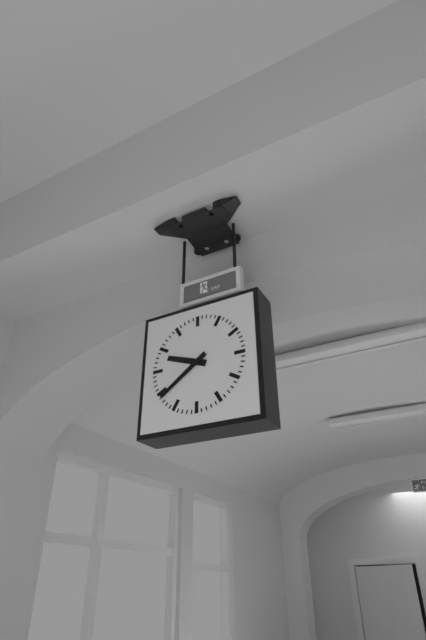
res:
9.39
